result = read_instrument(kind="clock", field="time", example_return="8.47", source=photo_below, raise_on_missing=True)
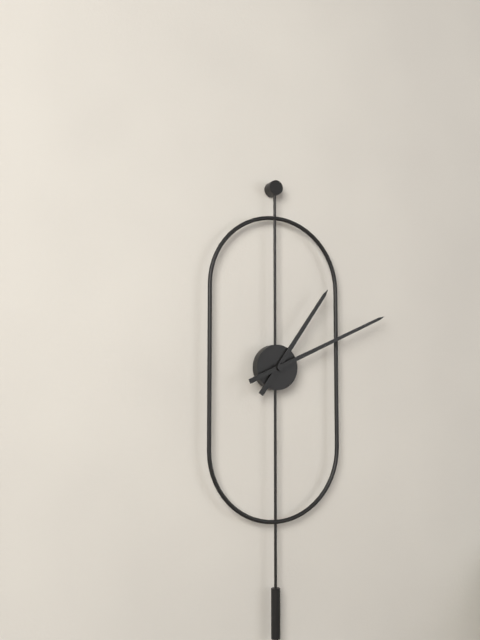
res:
1.11
